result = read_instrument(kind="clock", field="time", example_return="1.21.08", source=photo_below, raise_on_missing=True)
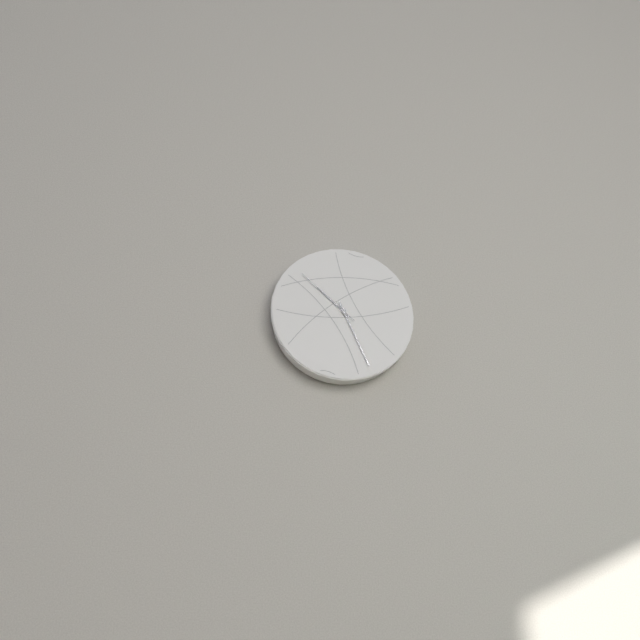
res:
10.26.52
